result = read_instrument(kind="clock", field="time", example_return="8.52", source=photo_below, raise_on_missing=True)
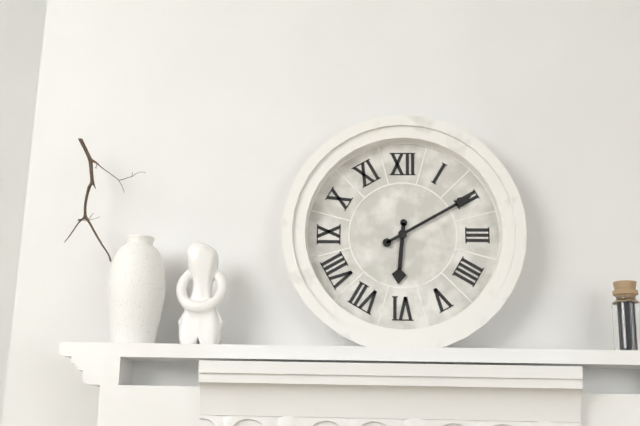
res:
6.10
